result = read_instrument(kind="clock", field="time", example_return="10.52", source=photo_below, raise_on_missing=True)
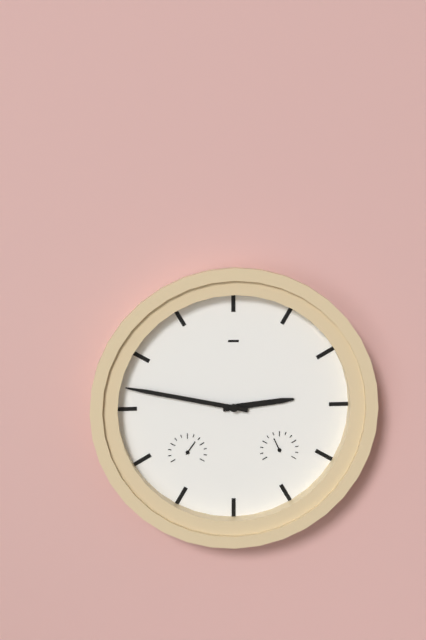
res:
2.47
